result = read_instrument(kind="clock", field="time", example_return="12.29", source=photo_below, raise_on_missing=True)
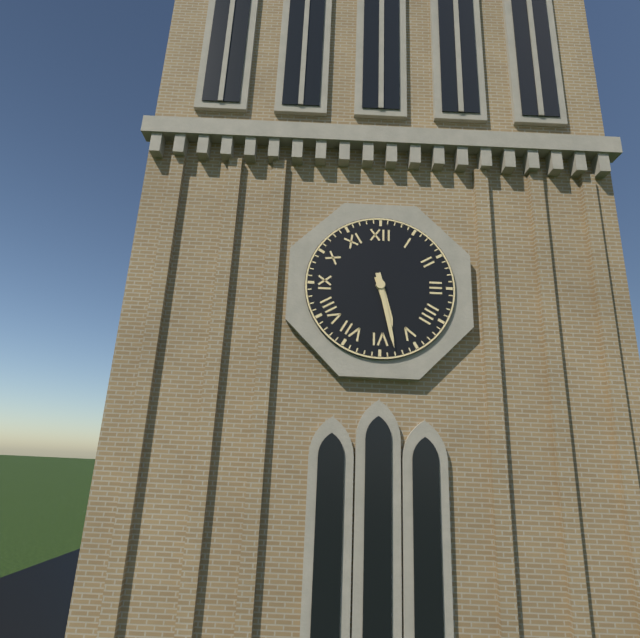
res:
5.28
